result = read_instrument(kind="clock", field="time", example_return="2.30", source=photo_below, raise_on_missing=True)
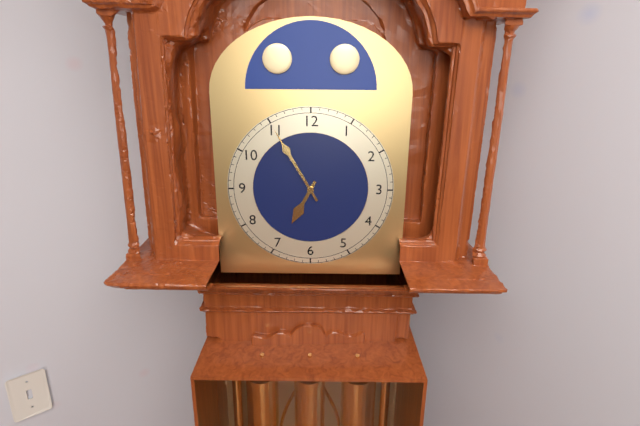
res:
6.55
